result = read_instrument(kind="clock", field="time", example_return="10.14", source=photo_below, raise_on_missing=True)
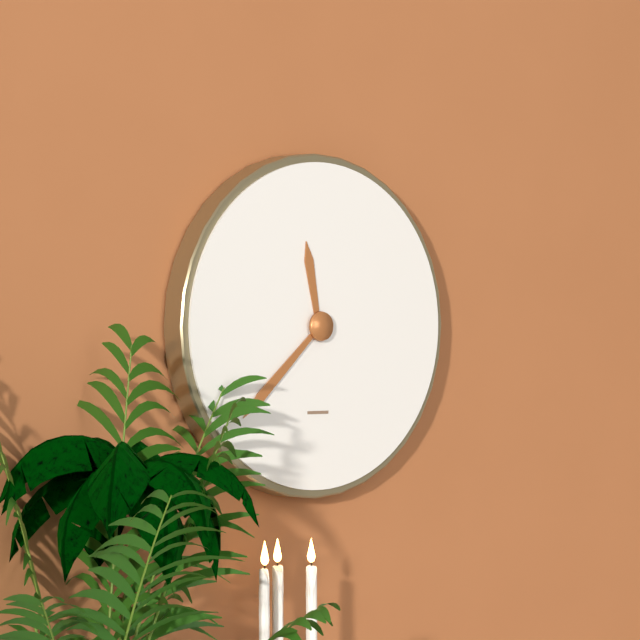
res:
11.38
